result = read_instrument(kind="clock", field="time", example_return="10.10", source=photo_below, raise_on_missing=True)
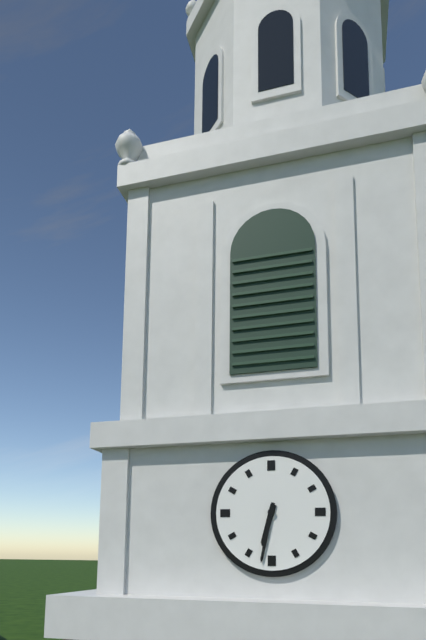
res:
6.32
